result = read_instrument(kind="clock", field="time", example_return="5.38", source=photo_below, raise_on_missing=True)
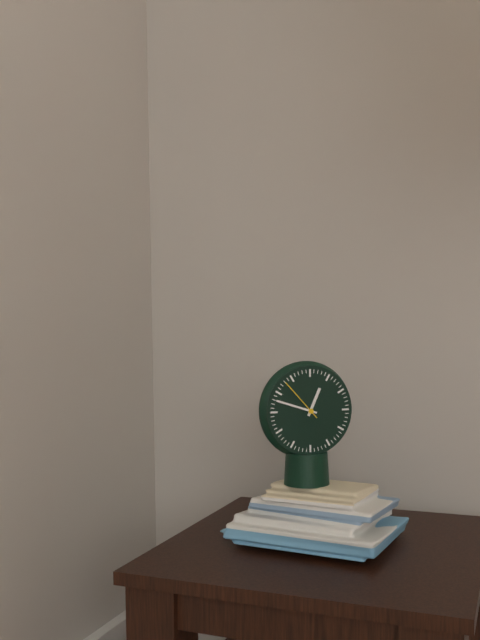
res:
12.48
